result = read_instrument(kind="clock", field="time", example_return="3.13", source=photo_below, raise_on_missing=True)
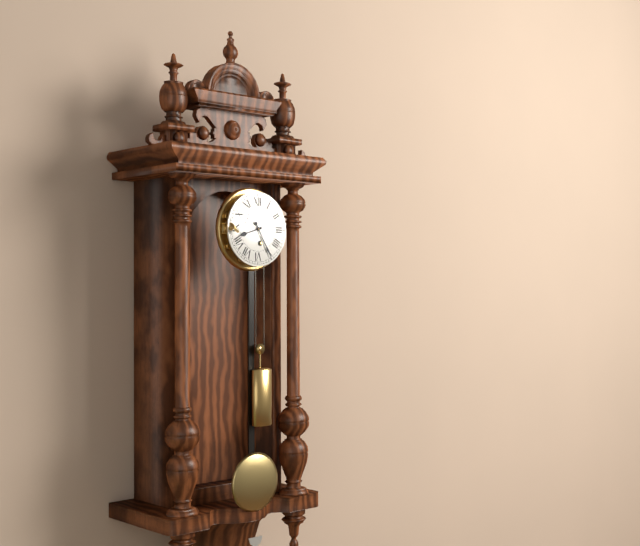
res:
8.25
